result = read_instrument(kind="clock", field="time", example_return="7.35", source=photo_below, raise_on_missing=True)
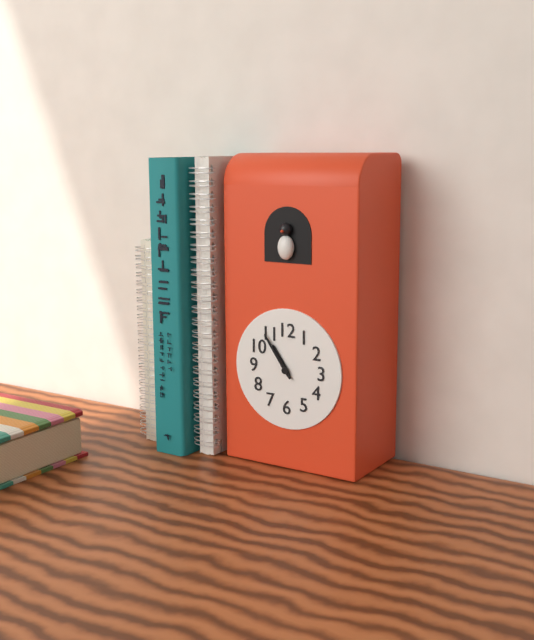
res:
10.54
